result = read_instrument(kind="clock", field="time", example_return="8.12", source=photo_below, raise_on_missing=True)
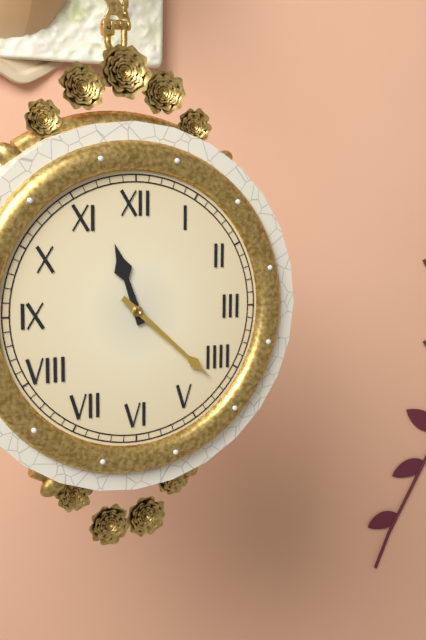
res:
11.22
